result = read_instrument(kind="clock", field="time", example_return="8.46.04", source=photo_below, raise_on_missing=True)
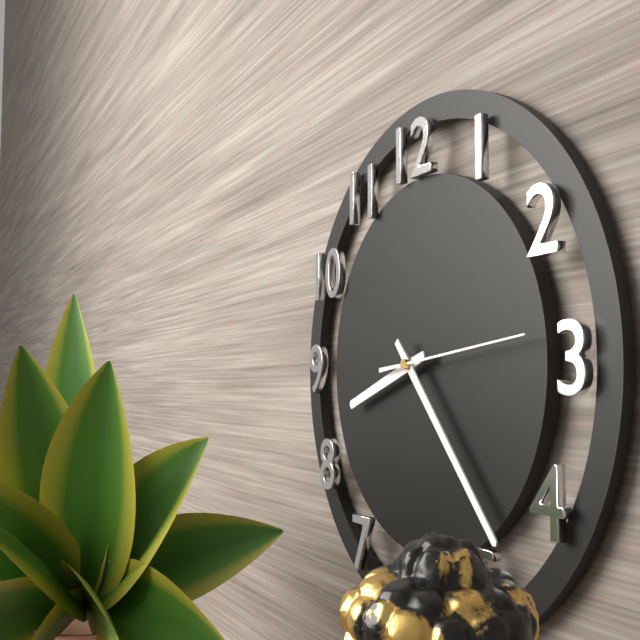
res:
8.23.14
